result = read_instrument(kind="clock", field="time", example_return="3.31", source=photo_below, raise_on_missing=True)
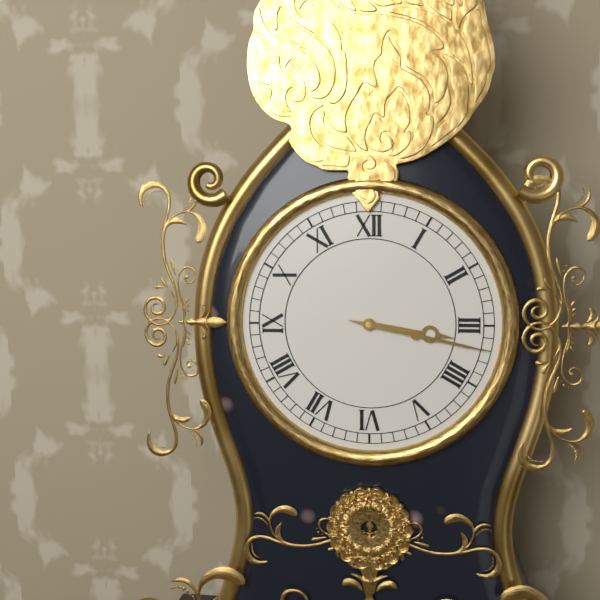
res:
3.17
